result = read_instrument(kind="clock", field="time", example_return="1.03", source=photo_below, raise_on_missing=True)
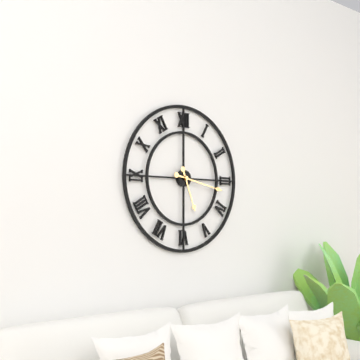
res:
5.17
